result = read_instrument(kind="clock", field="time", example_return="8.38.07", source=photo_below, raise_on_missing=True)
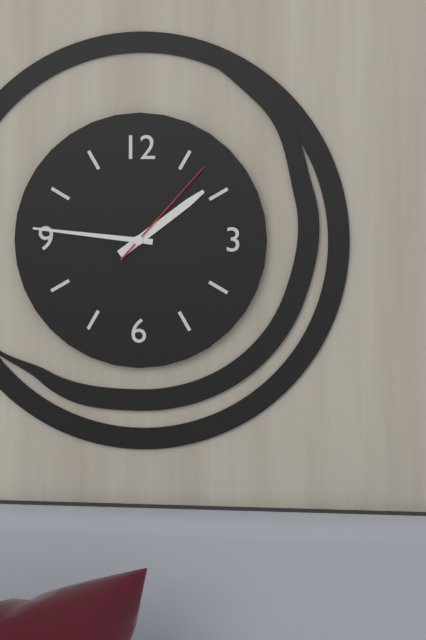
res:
1.46.07
